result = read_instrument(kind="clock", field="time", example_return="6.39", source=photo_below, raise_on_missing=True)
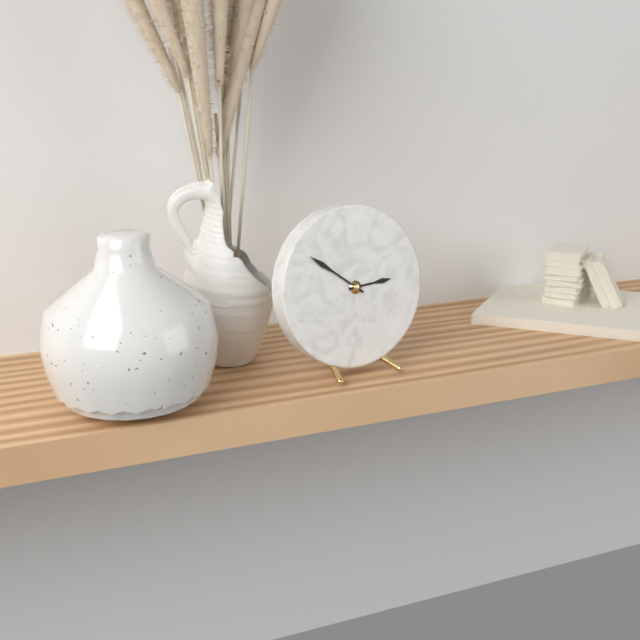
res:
2.51
